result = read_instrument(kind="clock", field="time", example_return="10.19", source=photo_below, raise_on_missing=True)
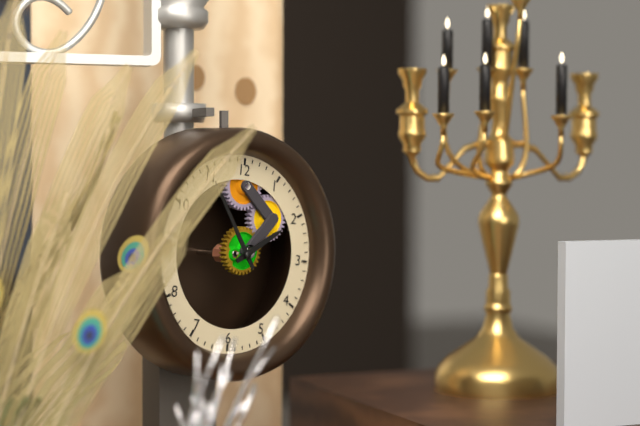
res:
1.54
